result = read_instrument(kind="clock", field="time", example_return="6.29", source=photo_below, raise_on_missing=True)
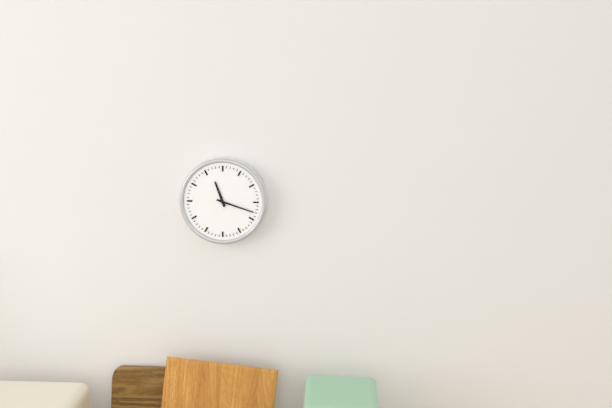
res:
11.18
